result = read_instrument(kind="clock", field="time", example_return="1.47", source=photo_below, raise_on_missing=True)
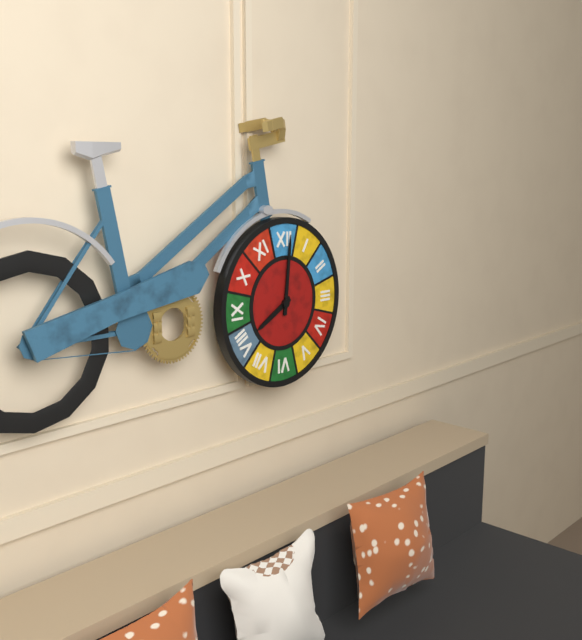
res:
8.01
